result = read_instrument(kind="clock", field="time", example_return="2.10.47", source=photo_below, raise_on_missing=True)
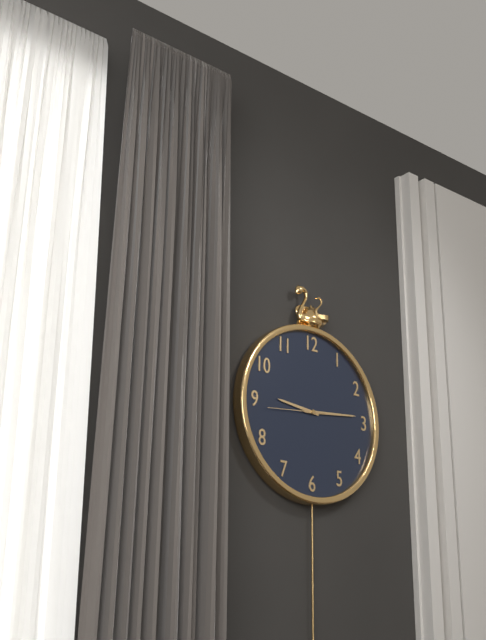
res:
9.14.44
